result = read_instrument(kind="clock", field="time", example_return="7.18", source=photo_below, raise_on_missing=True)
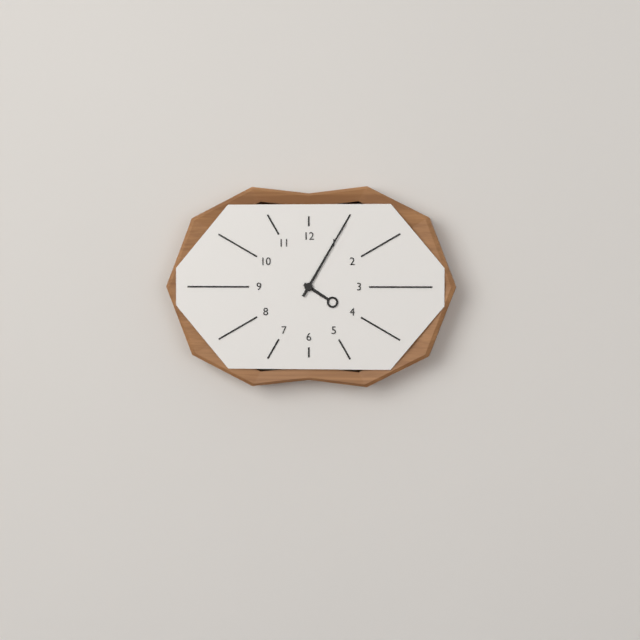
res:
4.05
